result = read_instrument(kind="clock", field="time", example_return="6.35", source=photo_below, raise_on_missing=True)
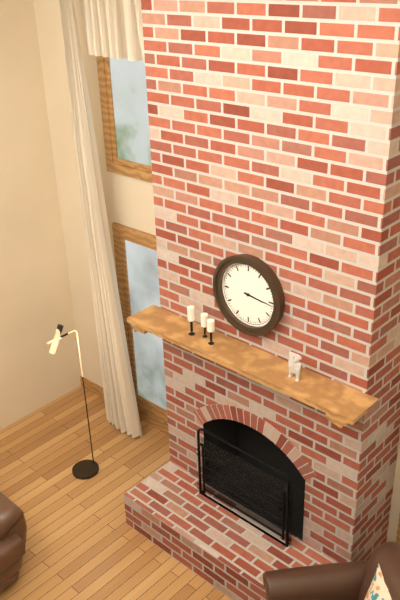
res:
3.16
